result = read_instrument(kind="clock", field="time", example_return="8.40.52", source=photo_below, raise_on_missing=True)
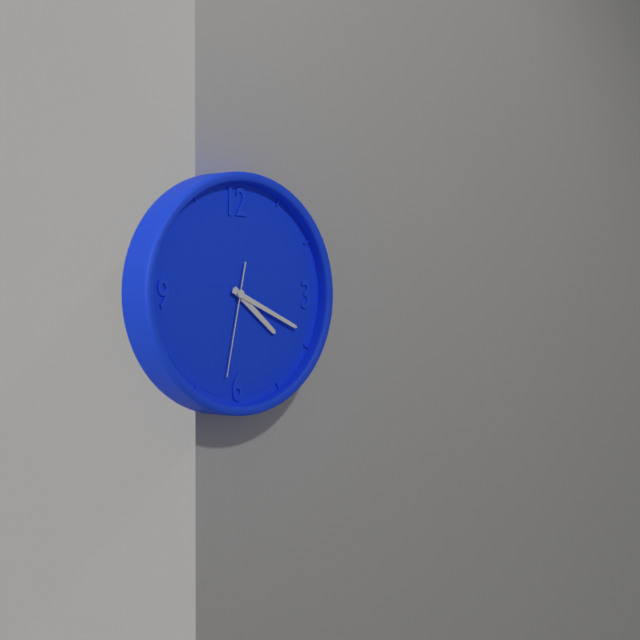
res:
4.19.32
